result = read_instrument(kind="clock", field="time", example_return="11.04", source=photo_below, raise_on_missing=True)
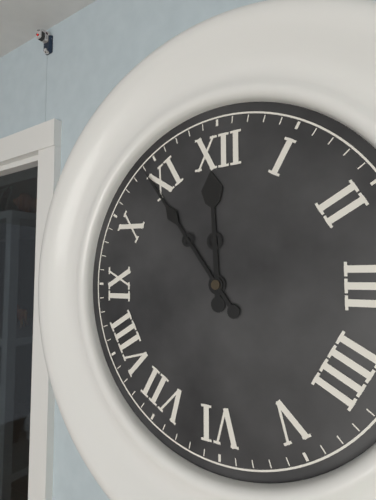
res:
11.54
